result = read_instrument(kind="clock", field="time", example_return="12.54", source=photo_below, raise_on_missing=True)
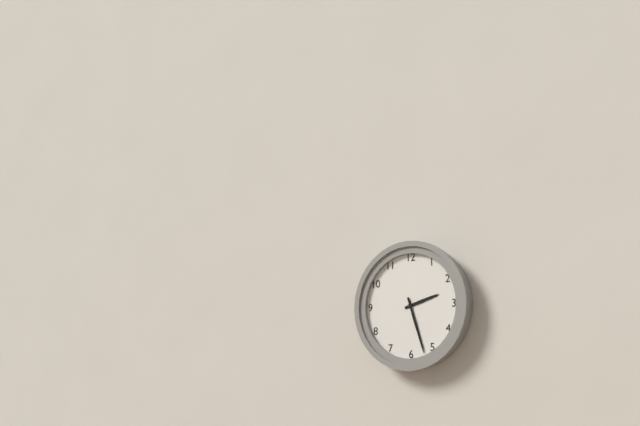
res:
2.27
